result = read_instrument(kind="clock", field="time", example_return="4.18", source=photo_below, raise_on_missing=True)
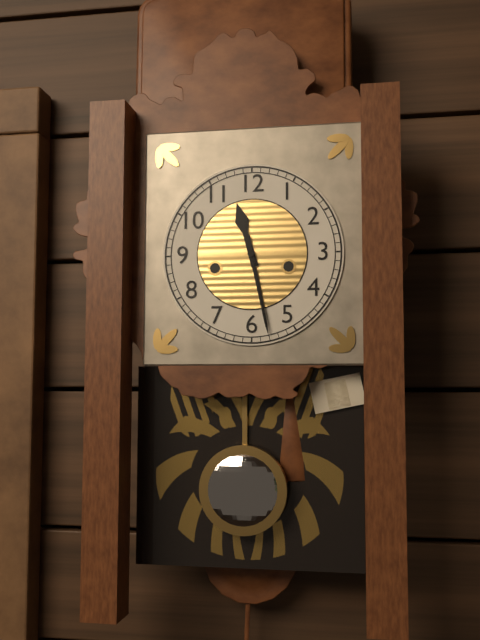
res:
11.28
